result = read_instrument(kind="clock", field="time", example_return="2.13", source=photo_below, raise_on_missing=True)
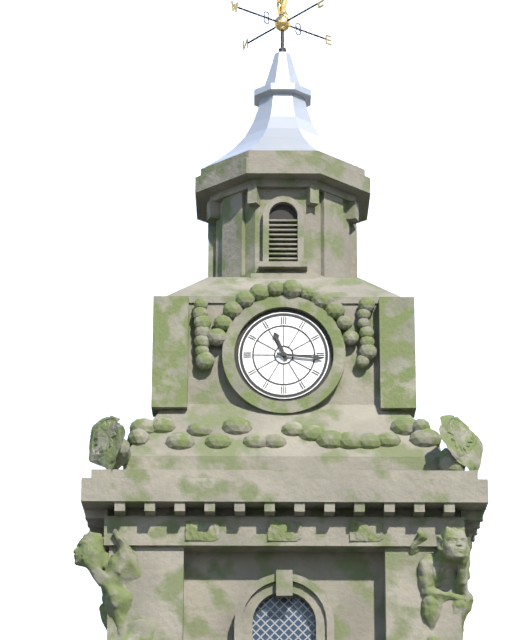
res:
11.16
